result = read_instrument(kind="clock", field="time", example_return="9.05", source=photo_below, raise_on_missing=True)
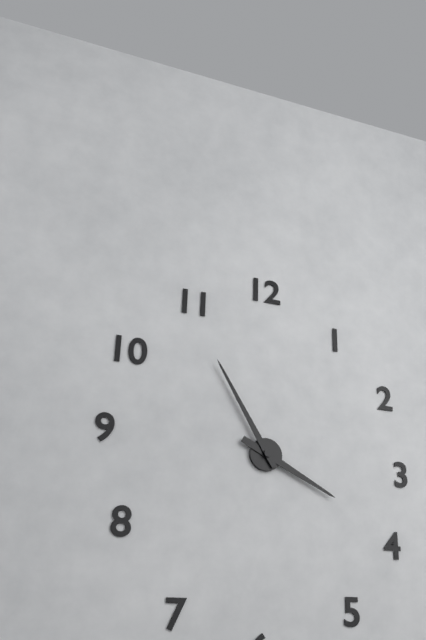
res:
3.55
